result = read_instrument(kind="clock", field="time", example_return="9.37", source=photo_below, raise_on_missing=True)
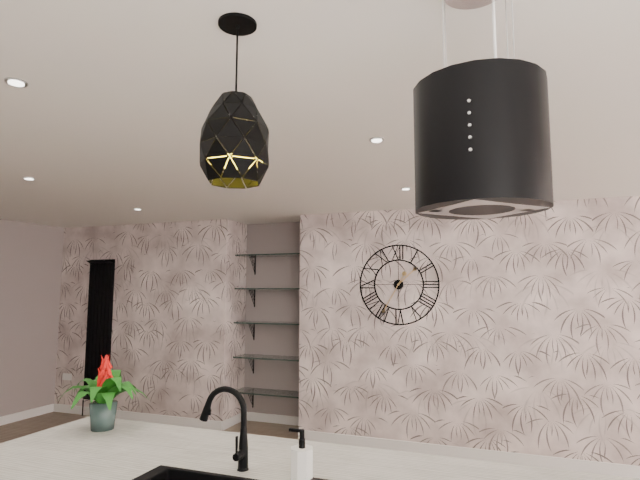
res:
1.35
